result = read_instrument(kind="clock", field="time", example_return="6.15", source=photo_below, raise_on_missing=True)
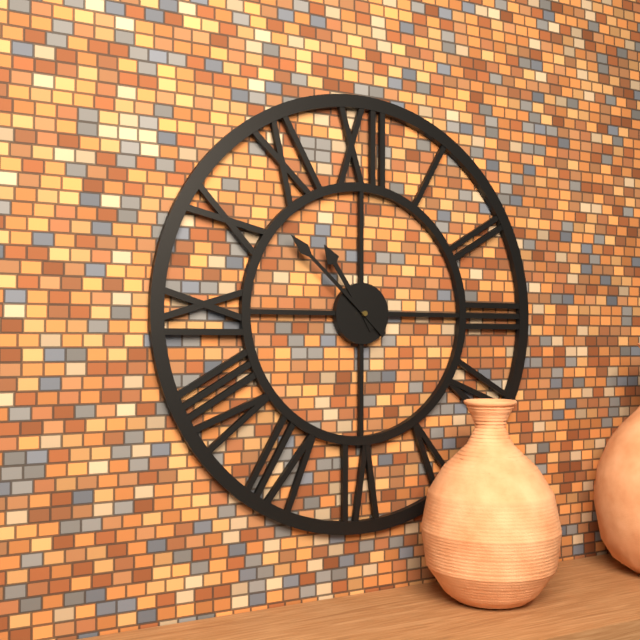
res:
10.52
